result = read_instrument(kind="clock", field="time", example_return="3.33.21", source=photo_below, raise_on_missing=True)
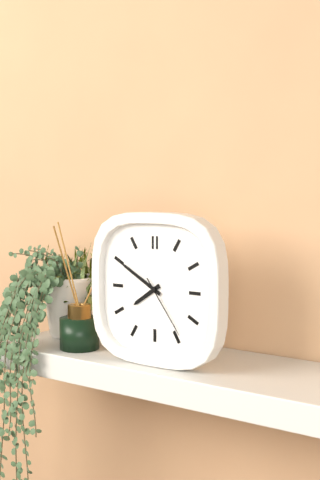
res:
7.50.24
